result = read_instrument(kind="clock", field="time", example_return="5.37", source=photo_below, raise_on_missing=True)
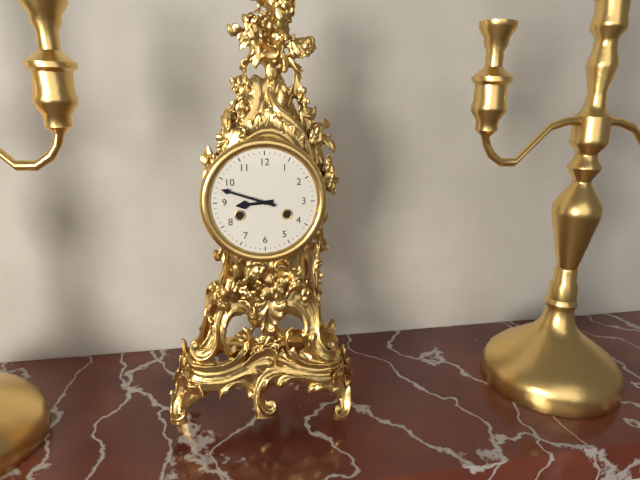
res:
8.48
